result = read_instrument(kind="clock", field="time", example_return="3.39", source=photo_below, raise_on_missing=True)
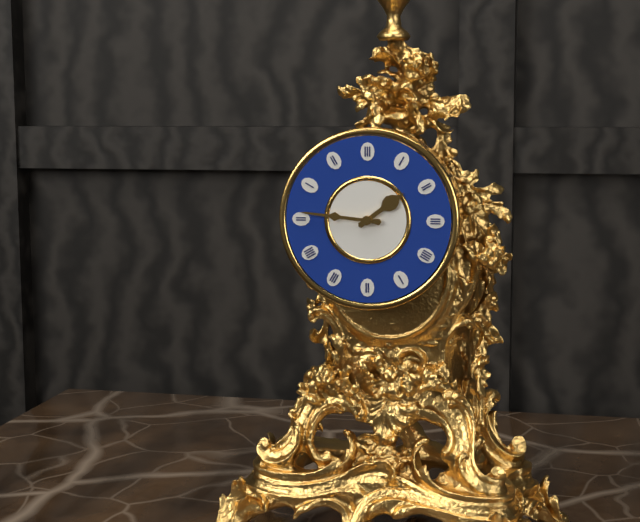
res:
1.46
